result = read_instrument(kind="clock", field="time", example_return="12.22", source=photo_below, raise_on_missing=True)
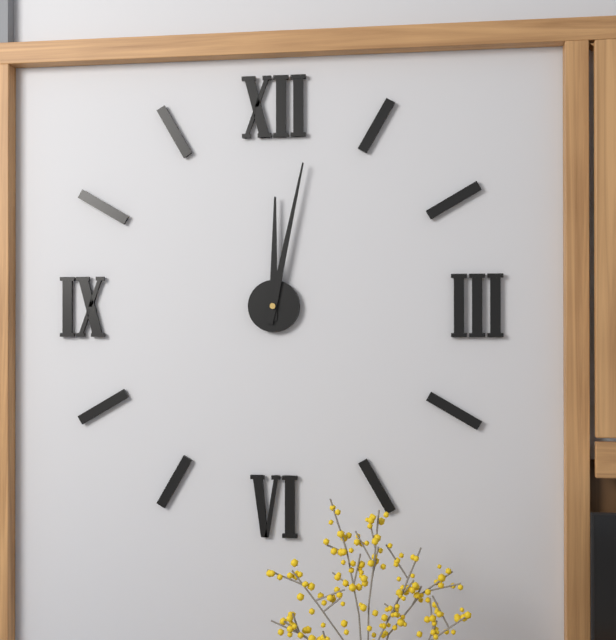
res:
12.02
